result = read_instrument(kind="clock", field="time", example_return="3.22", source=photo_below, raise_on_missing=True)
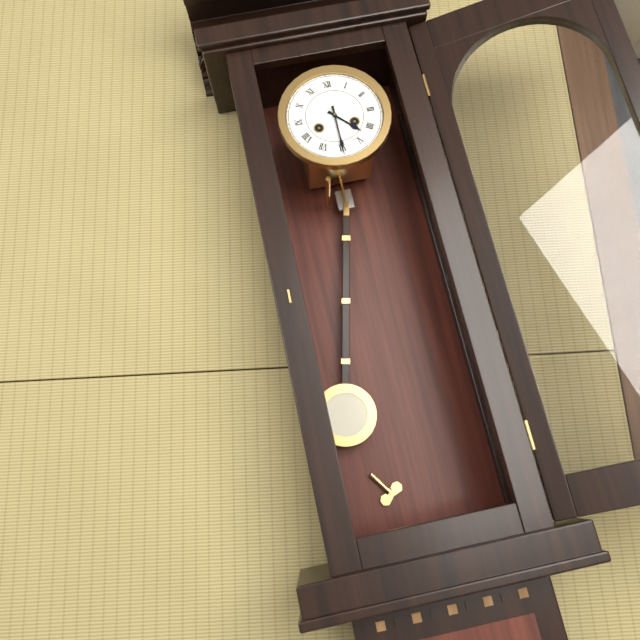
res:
4.30
